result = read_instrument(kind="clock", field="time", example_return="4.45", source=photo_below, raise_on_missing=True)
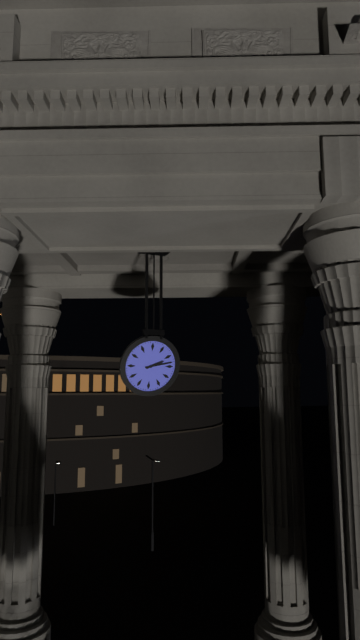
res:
2.13
